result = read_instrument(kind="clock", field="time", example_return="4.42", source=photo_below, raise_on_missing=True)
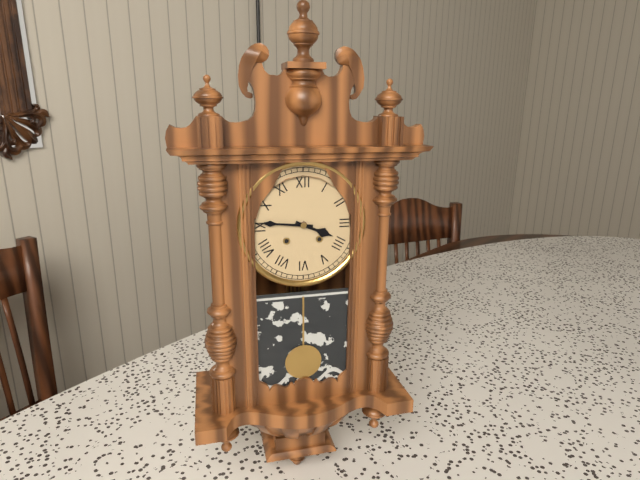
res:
3.46
